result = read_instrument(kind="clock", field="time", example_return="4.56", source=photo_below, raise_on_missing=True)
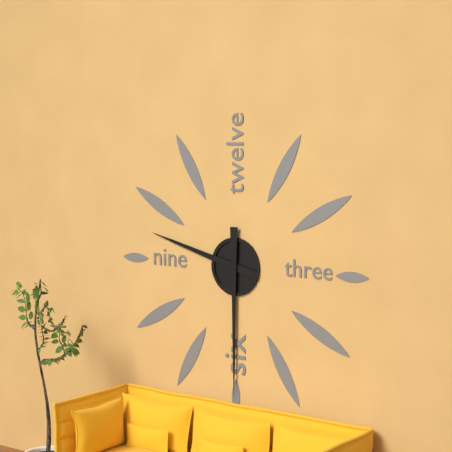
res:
9.30
